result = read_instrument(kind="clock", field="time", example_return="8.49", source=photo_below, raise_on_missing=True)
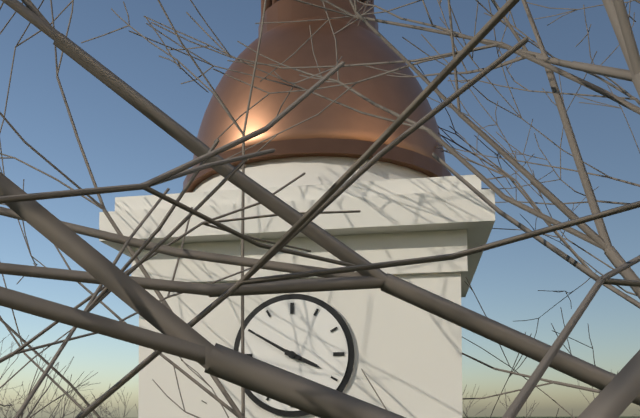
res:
3.50
